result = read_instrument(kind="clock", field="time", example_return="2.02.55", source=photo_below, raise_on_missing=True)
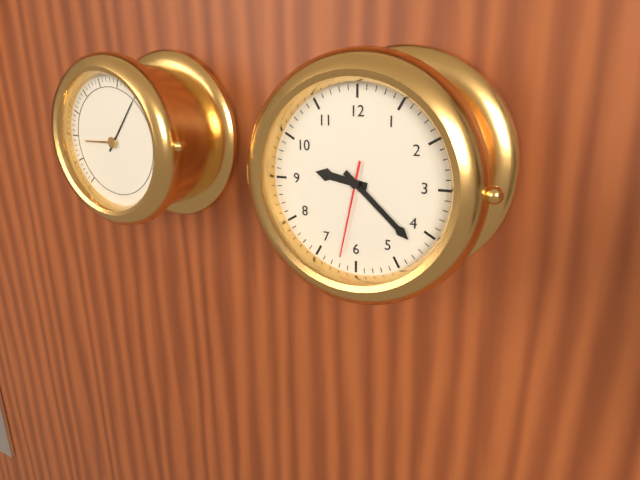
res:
9.22.32
